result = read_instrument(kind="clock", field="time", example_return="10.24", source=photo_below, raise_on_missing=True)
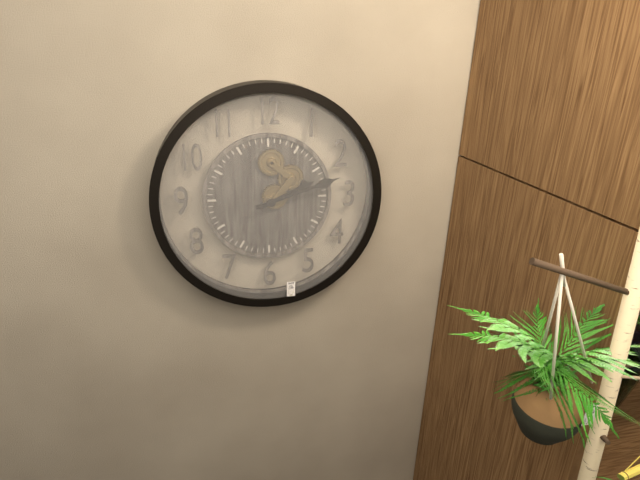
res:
2.12
